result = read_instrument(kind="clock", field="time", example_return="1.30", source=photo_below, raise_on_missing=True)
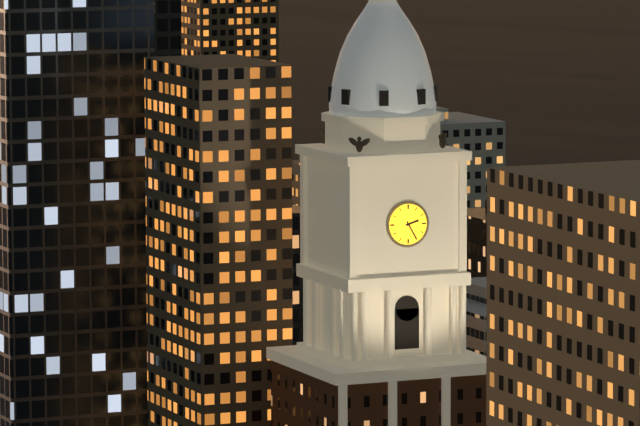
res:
2.25
